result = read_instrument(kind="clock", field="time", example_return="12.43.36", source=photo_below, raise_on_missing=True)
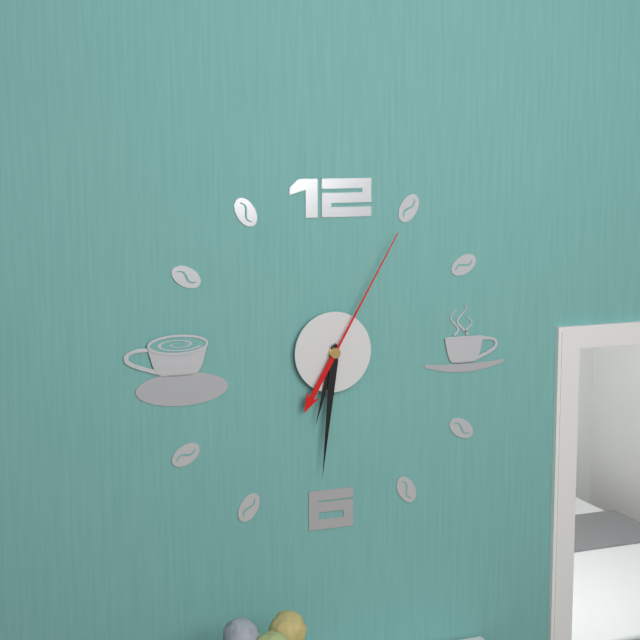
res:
6.31.05
